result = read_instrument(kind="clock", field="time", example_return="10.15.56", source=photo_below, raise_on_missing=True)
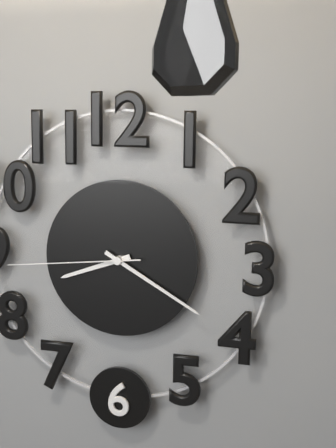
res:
8.20.44
